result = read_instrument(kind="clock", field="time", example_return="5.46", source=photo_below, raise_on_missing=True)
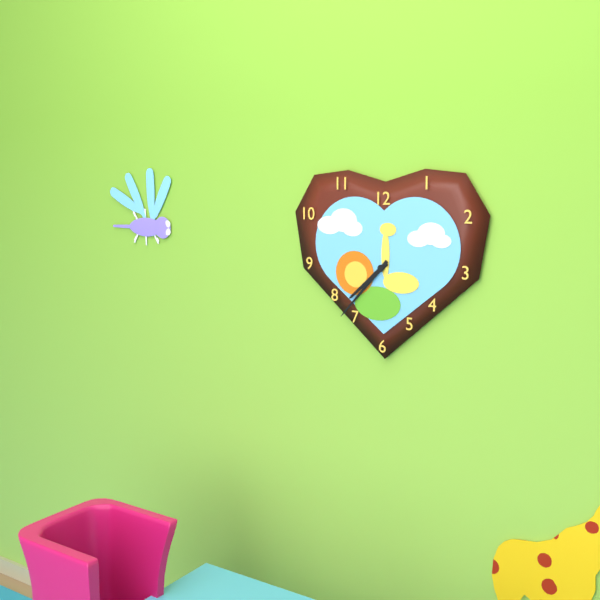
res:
7.37
